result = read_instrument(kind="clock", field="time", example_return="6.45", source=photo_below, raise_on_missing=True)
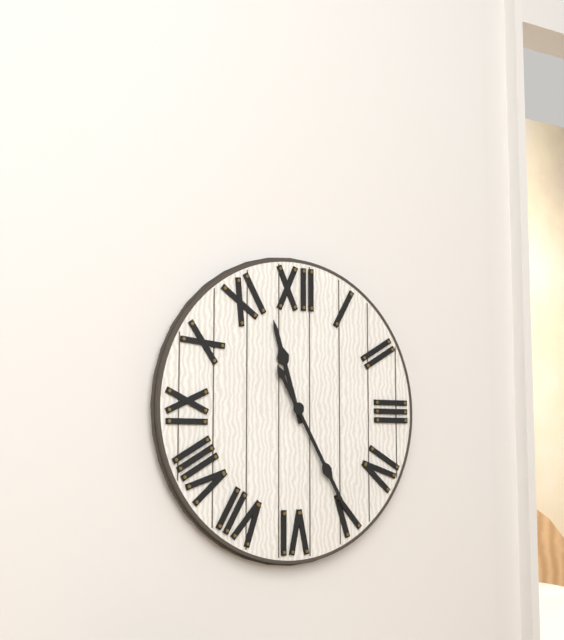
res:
11.25
